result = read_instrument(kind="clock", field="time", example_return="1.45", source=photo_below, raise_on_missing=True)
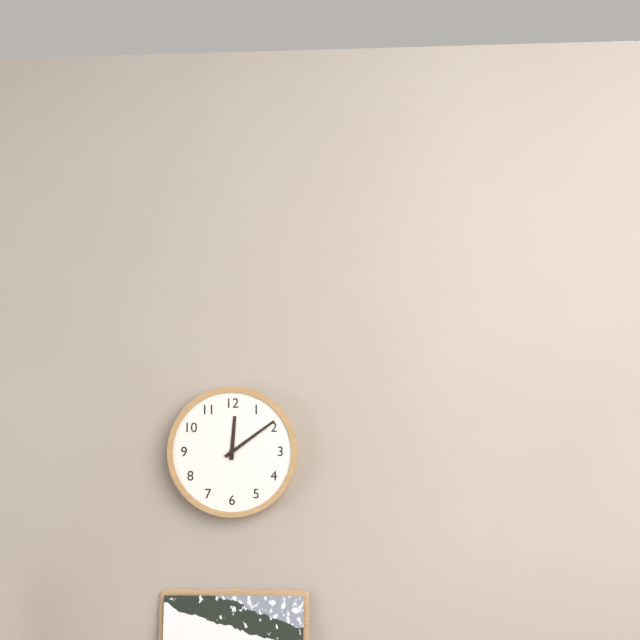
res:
12.09
